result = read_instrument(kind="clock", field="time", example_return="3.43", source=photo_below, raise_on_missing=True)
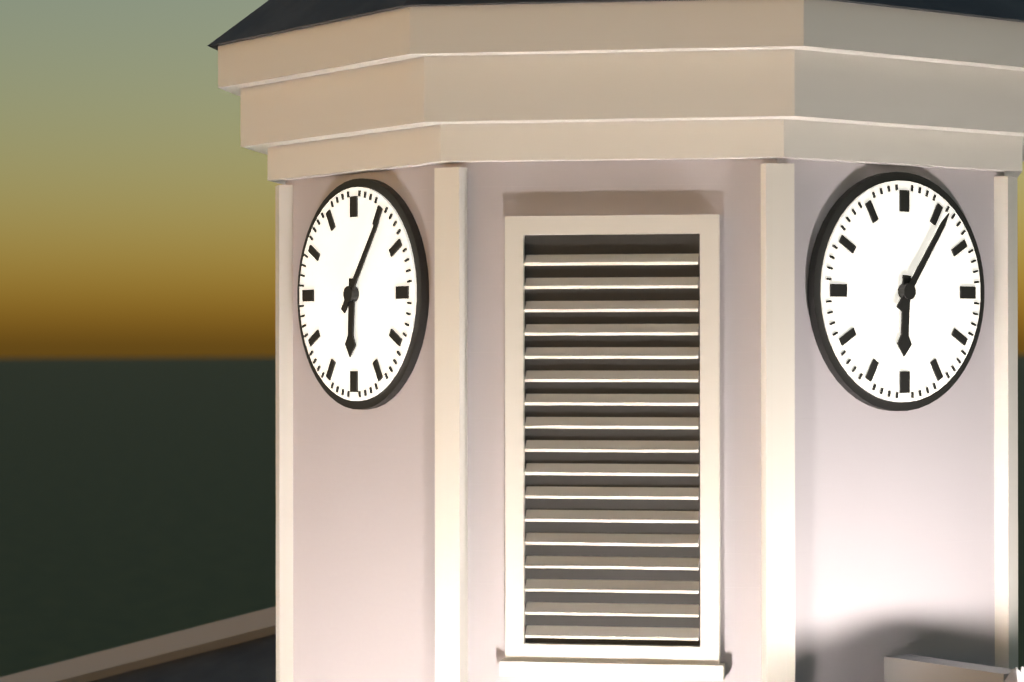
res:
6.06
